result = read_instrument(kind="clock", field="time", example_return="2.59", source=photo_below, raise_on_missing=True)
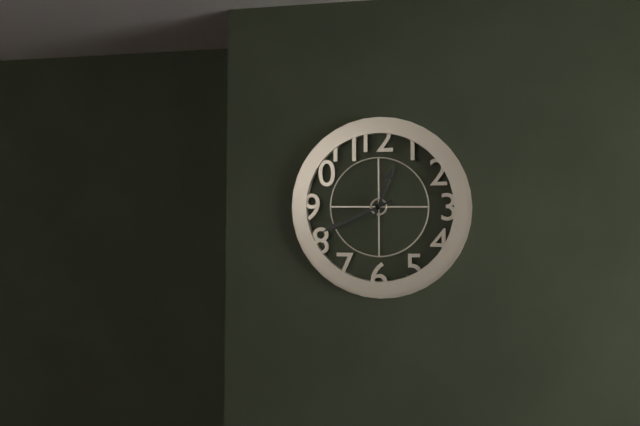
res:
12.41
